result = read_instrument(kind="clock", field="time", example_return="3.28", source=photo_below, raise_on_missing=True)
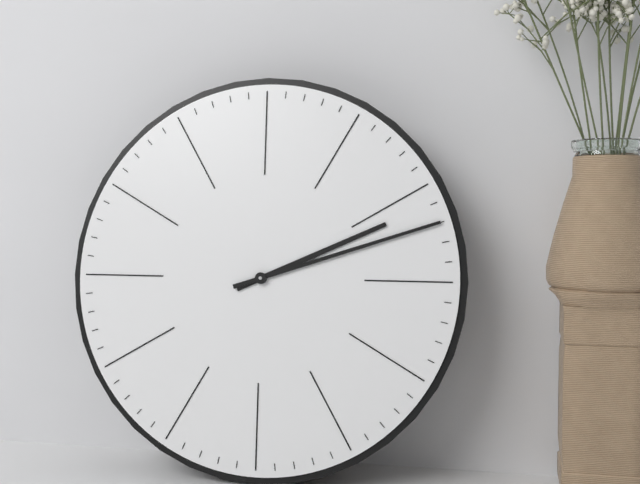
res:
2.12
